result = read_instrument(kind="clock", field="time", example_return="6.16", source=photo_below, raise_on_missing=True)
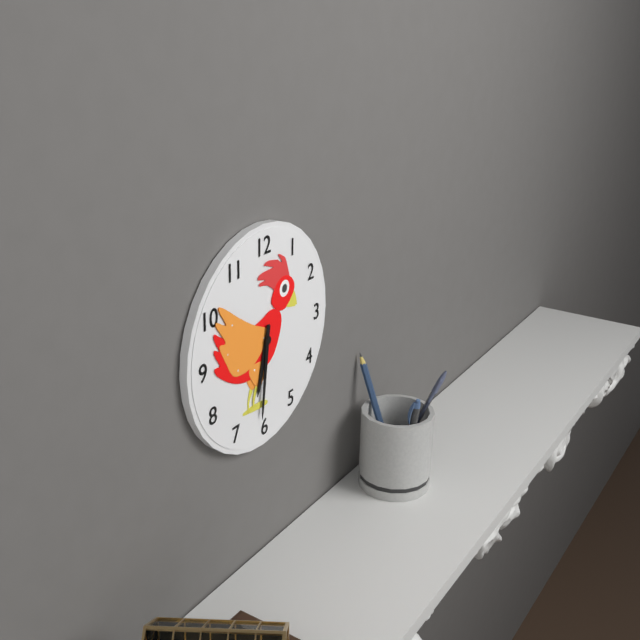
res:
6.31
